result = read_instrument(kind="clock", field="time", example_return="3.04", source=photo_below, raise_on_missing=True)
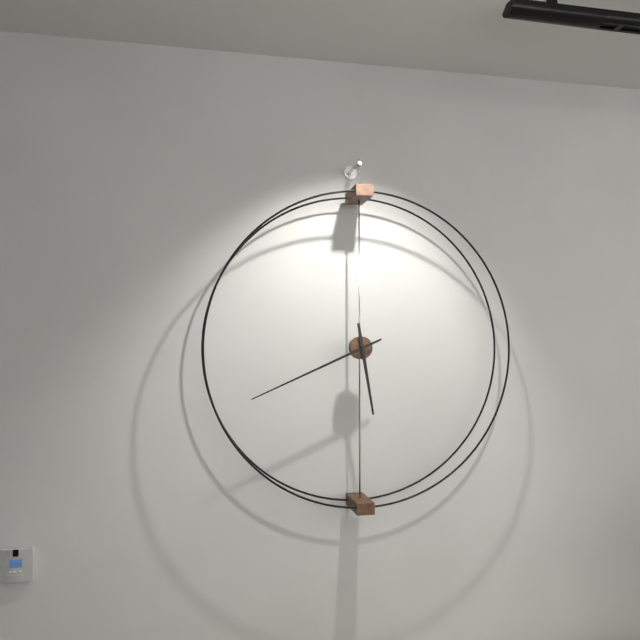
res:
5.41
